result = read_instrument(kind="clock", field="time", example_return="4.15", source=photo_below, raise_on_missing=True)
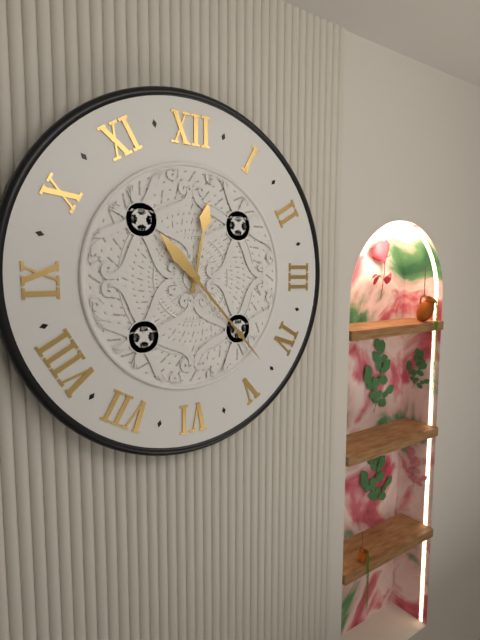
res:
12.23
